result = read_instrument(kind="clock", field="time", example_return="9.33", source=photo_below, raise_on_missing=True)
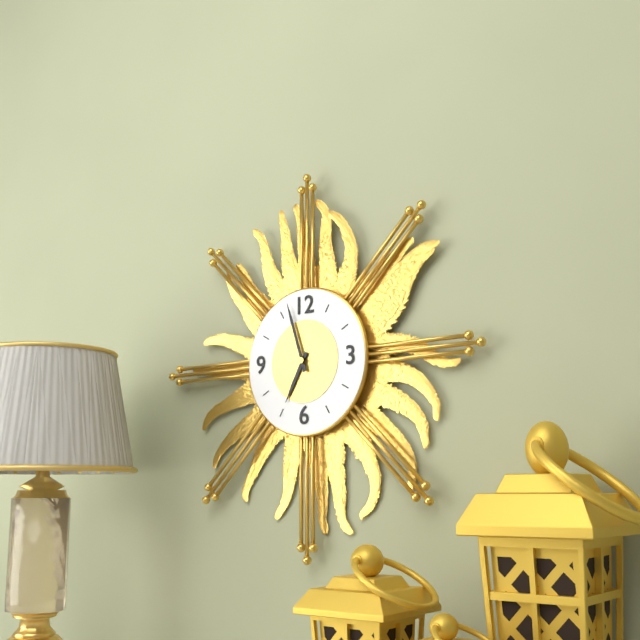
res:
6.57
